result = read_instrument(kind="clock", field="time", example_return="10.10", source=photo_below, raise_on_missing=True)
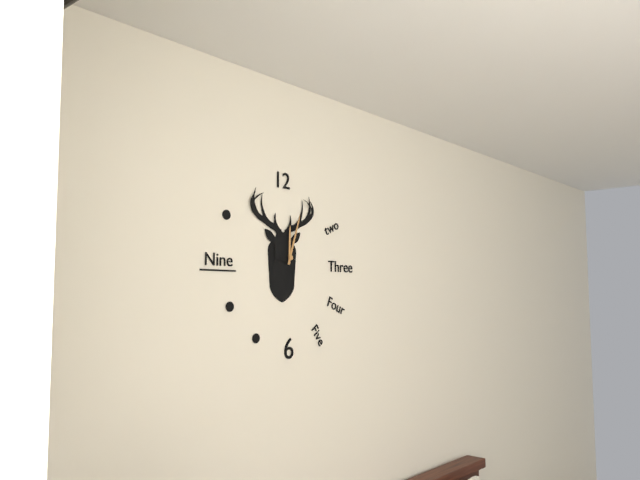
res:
12.03
